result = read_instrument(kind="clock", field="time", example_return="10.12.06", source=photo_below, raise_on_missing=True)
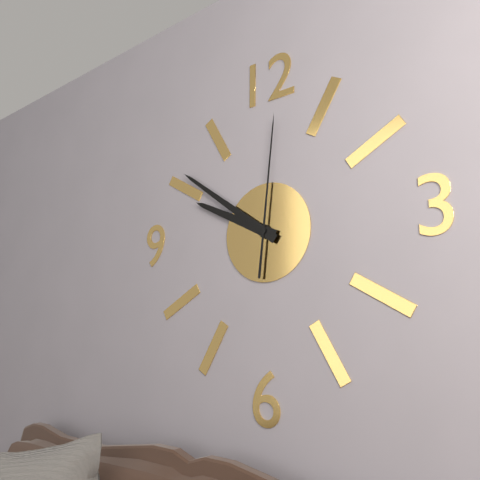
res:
9.51.01
